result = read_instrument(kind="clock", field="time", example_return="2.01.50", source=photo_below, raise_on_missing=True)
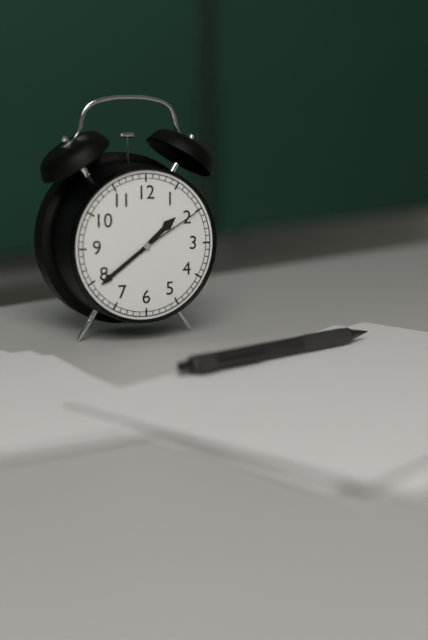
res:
1.39.10
